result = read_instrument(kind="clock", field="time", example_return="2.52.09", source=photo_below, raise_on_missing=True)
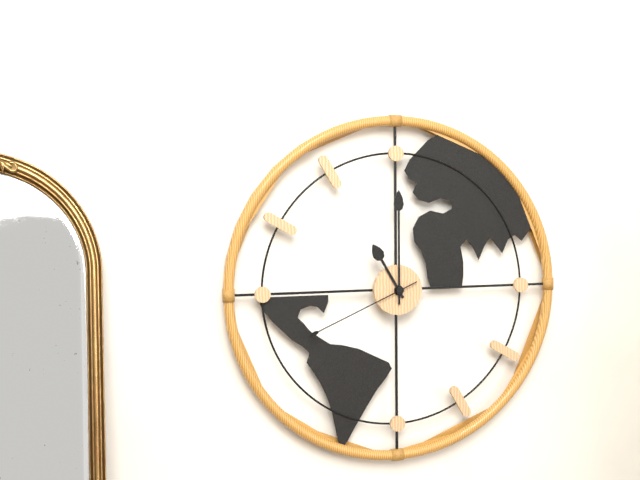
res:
11.00.41
